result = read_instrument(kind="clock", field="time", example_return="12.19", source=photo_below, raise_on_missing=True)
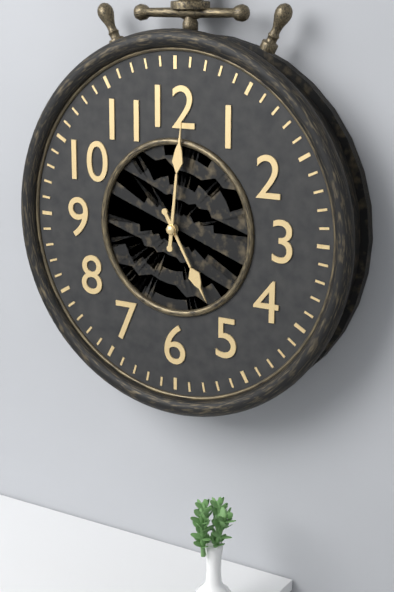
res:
5.01
